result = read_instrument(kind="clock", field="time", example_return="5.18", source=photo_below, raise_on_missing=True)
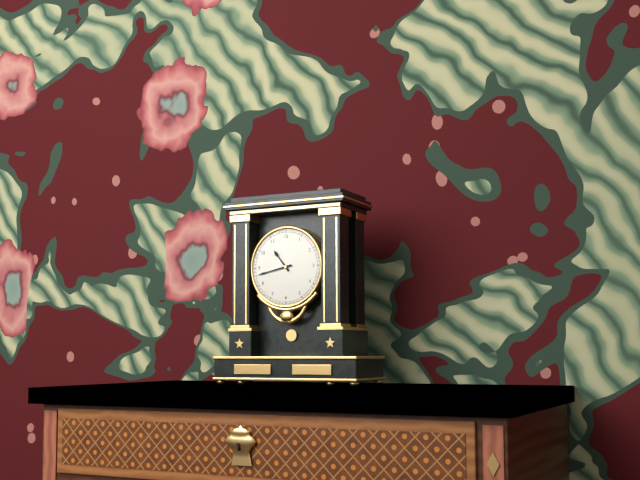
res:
10.43
